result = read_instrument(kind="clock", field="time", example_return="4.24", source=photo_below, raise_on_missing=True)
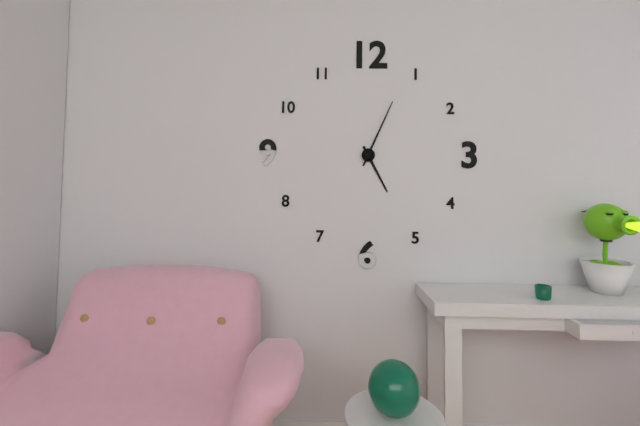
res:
5.04
